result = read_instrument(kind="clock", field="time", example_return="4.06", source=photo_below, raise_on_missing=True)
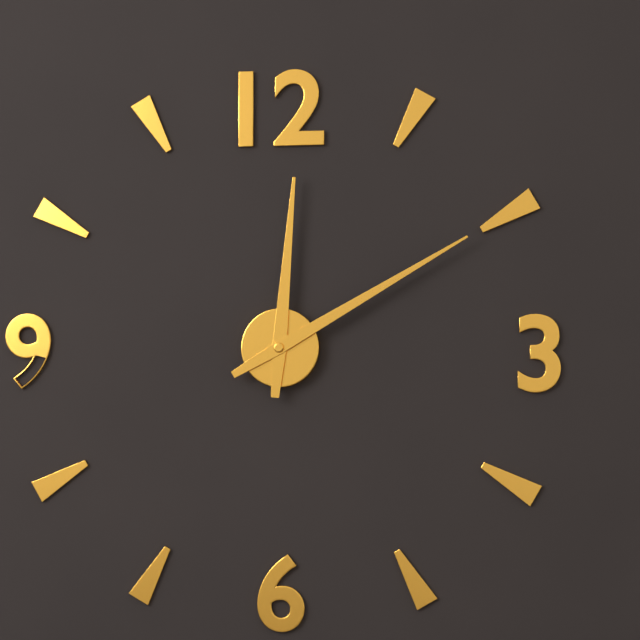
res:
12.10
